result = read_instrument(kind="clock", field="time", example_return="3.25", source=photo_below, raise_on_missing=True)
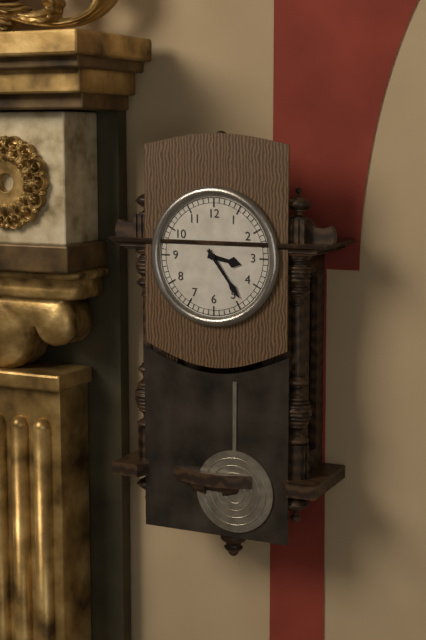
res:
3.24
